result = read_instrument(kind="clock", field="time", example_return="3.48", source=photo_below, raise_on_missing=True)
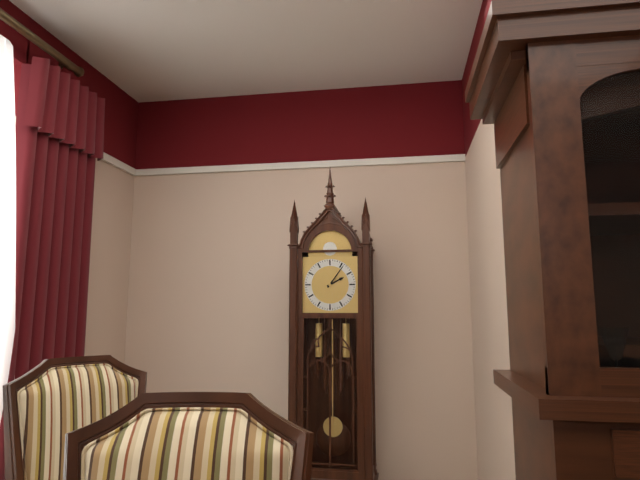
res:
2.06
